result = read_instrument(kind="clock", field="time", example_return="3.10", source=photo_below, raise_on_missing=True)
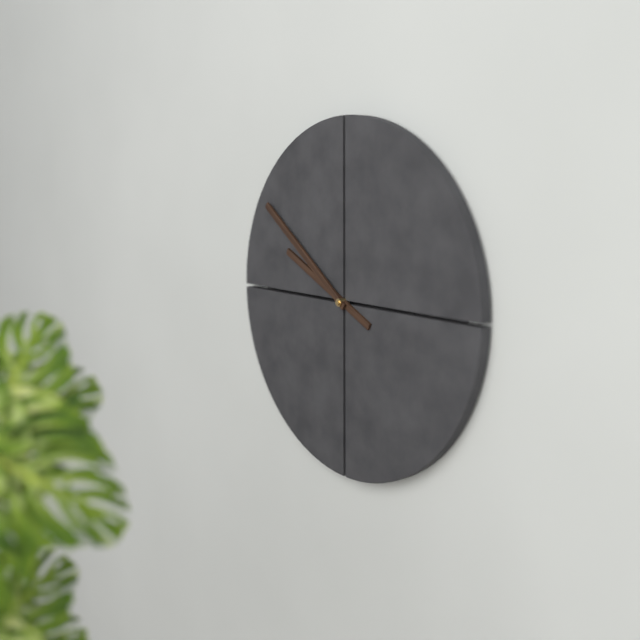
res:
9.51
